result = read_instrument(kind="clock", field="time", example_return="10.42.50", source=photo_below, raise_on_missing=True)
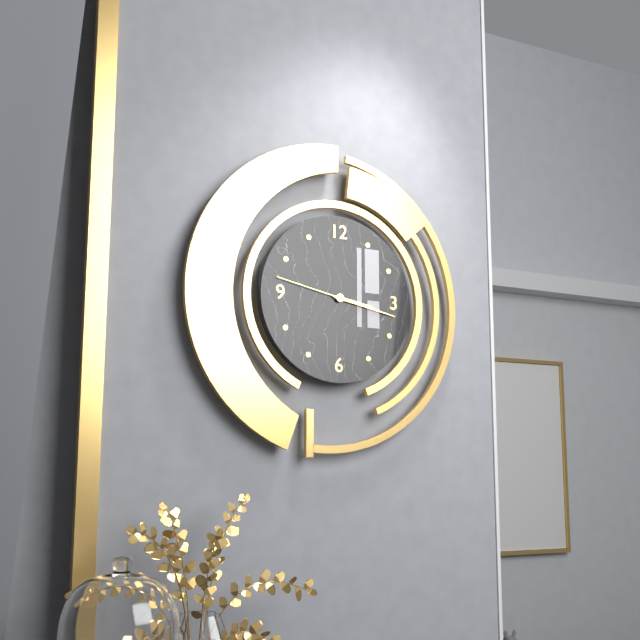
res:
3.17.47
